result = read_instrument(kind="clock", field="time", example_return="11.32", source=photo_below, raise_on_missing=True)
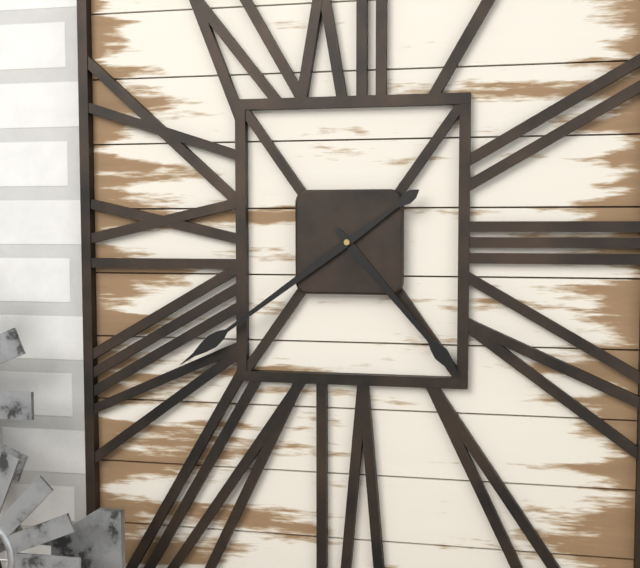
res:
4.39
